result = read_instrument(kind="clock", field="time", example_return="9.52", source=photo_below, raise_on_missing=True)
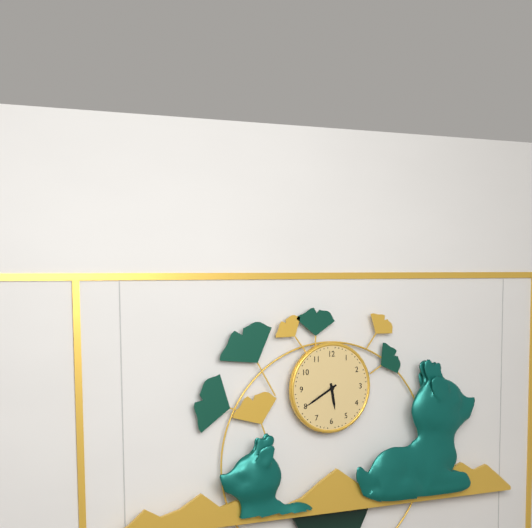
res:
5.40
